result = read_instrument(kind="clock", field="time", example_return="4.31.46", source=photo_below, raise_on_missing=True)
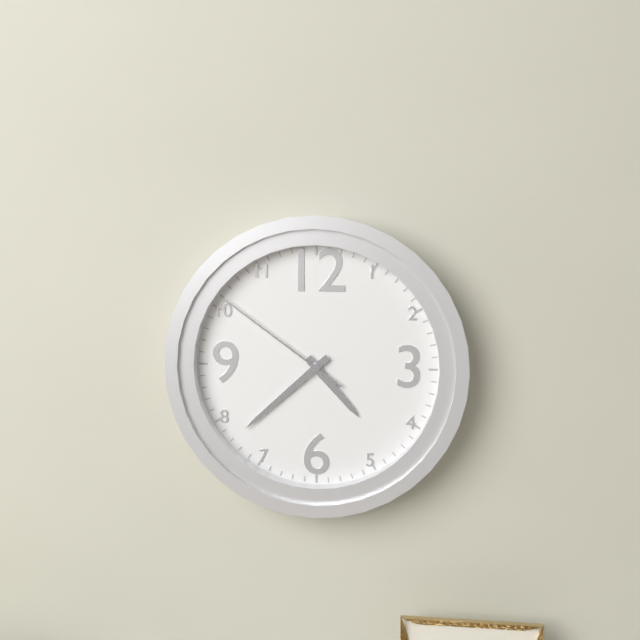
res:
4.38.51
